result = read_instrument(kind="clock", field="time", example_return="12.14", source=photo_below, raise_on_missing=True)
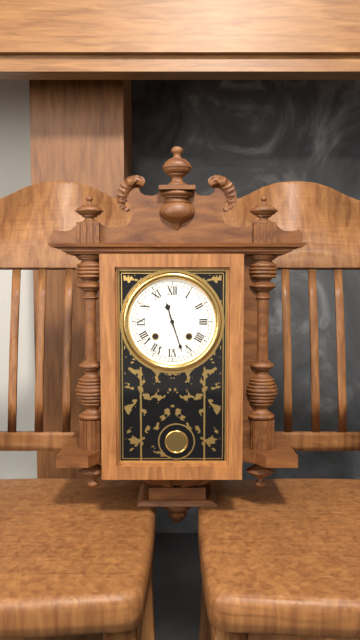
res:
11.27
